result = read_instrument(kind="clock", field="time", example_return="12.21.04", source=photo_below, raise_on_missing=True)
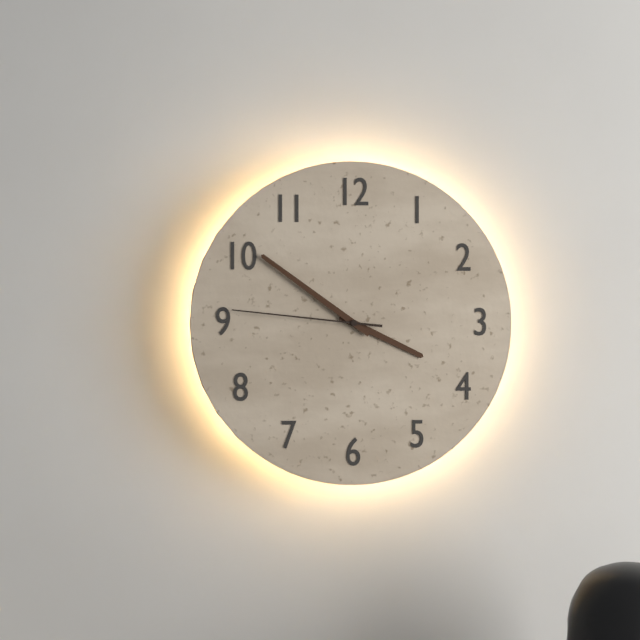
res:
3.51.46
